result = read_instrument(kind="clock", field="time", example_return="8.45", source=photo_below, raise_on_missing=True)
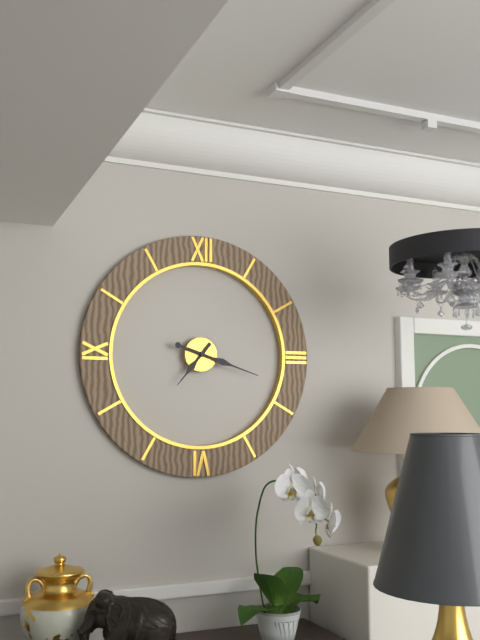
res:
7.18
